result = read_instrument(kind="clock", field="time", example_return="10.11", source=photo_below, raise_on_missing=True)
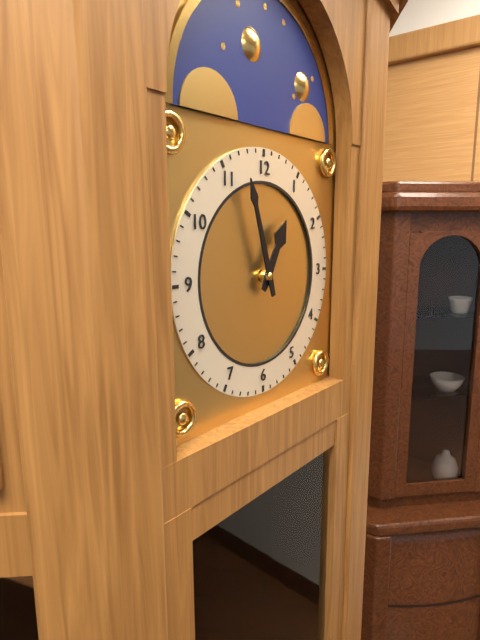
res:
12.57
